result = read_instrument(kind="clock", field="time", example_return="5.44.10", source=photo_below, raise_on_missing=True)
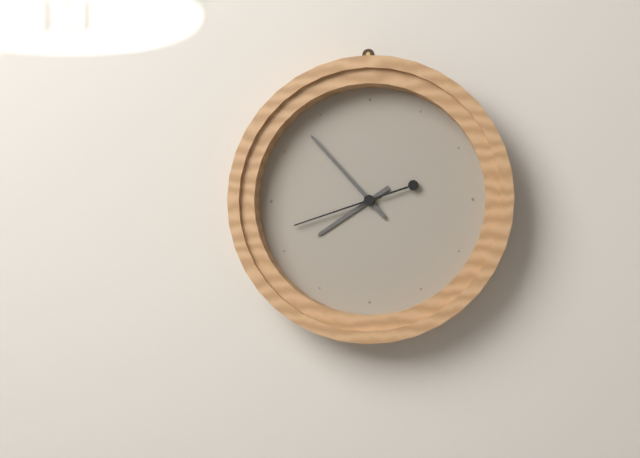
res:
7.53.42
